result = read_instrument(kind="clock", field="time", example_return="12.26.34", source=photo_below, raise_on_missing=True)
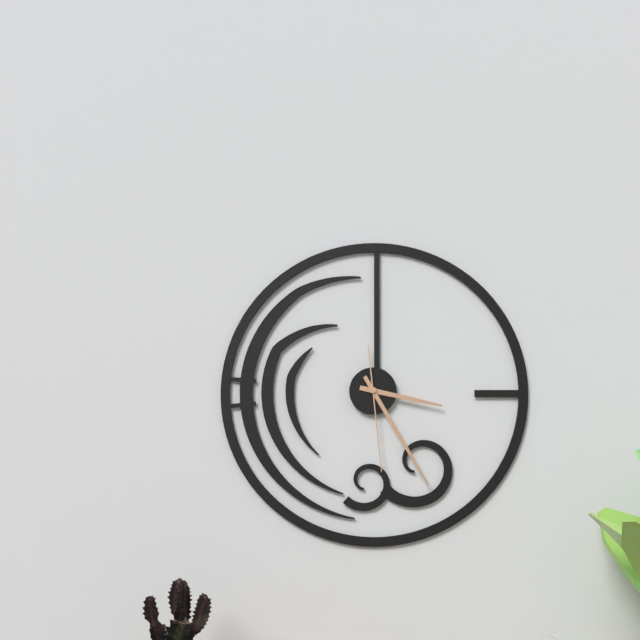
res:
3.25.29
